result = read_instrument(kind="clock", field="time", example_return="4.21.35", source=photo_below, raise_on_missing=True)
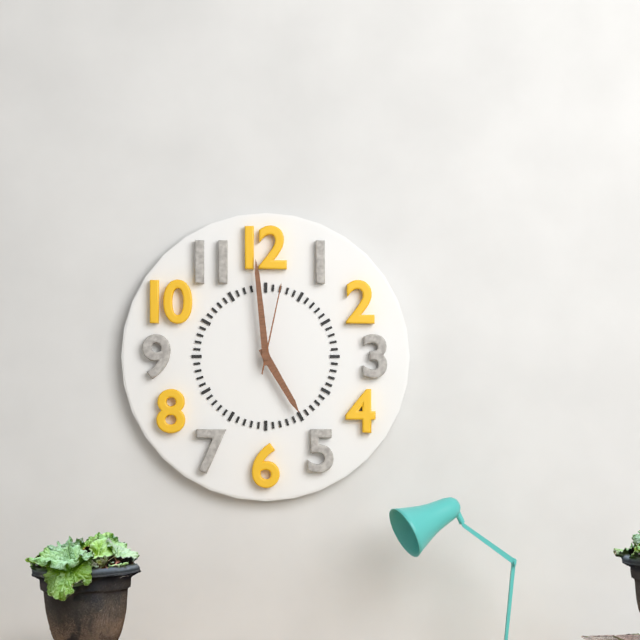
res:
4.59.02
